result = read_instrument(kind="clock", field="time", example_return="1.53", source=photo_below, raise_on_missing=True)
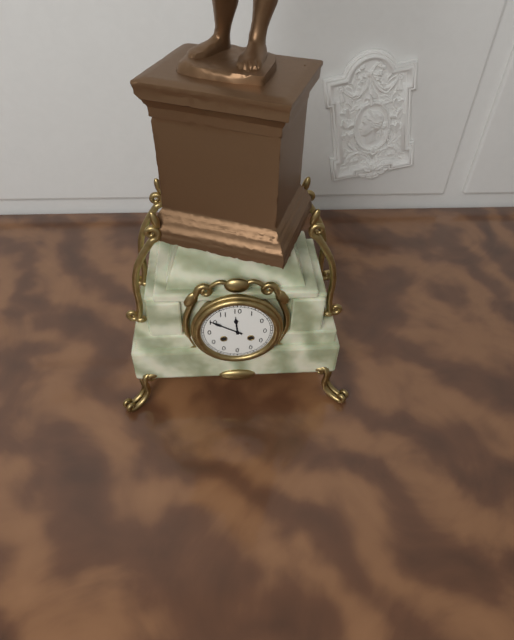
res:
11.50
